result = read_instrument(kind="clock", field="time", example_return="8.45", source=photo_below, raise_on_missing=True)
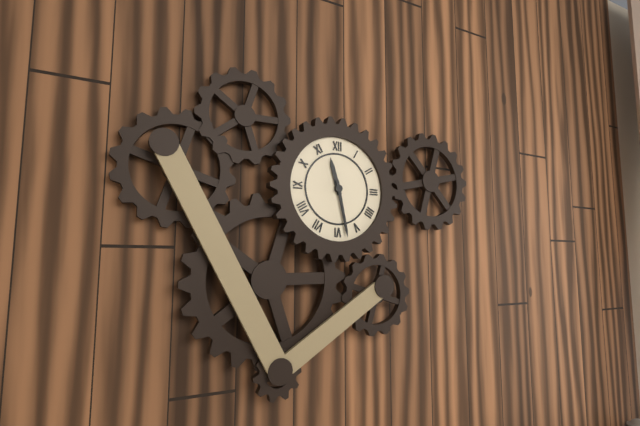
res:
11.28
